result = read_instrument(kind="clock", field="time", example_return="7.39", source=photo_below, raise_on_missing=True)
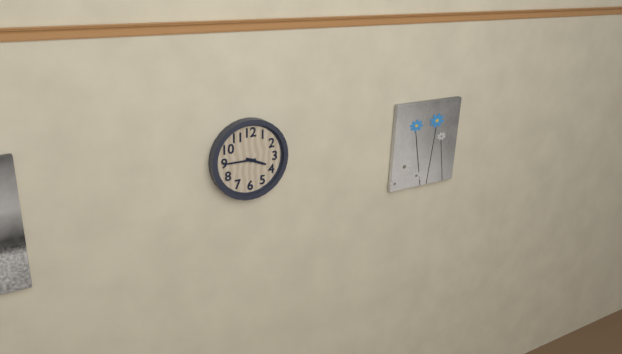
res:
3.45
